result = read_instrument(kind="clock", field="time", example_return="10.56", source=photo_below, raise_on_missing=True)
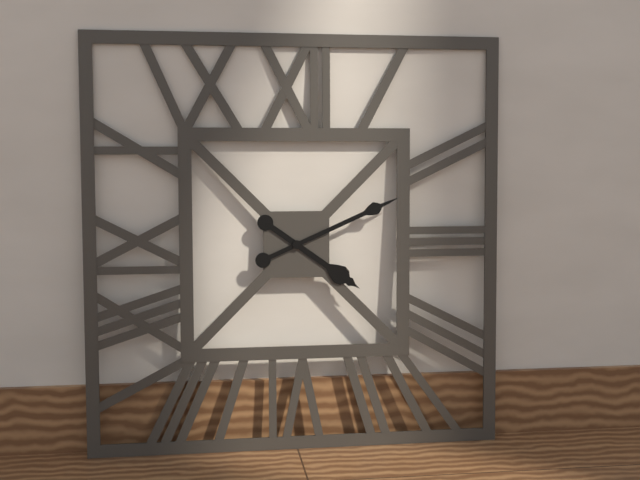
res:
4.11
